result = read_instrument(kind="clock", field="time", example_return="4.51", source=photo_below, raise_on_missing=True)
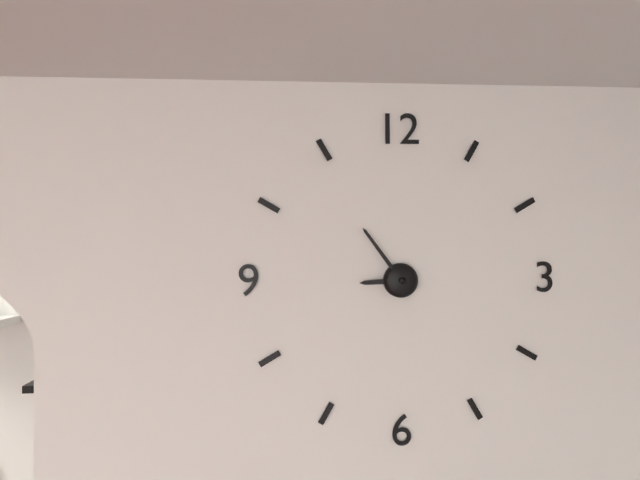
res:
8.54
